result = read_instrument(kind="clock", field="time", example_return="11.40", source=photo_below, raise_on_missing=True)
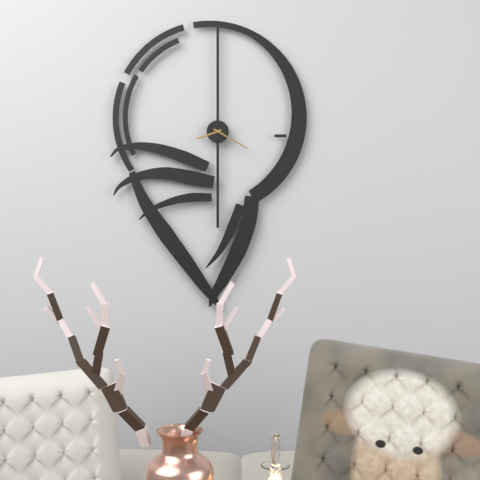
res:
8.20
